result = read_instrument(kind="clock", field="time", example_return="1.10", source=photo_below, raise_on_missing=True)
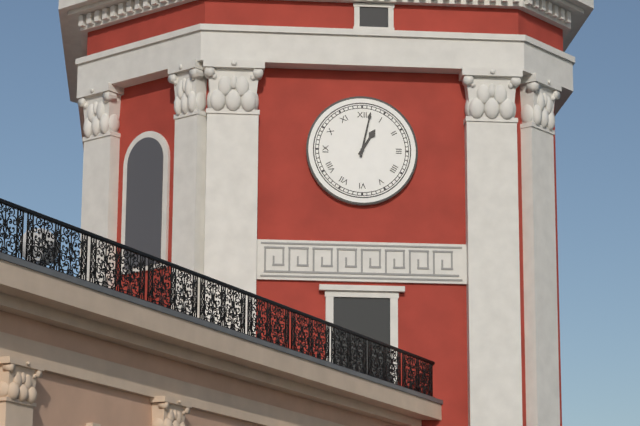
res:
1.02
